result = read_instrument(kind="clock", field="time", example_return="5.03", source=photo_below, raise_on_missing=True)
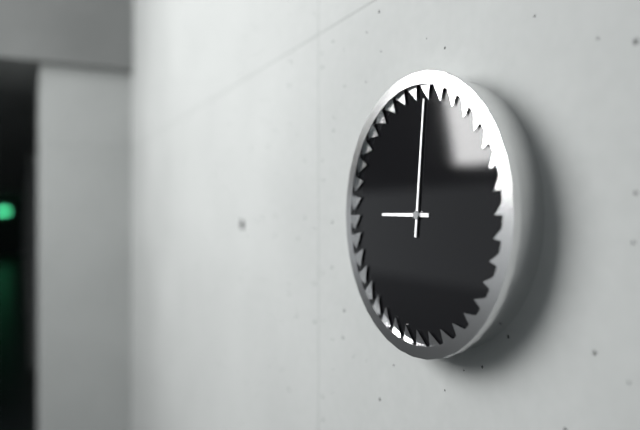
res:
9.01
